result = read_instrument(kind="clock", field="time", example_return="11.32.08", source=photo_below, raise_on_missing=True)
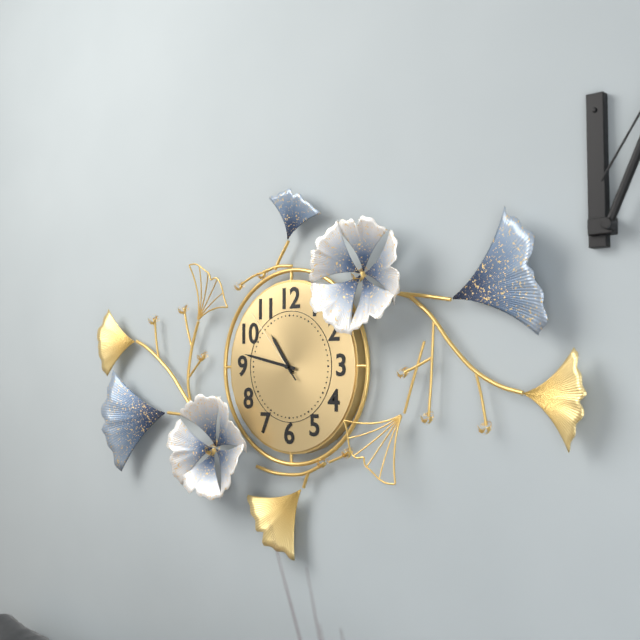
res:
10.47.53
